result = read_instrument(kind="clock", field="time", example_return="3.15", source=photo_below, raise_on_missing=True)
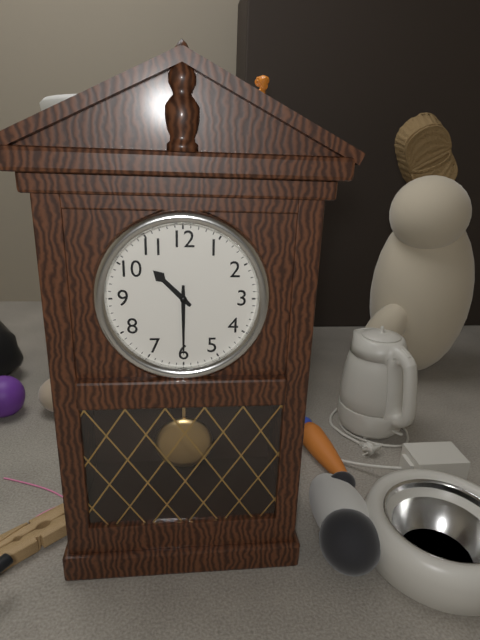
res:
10.30
